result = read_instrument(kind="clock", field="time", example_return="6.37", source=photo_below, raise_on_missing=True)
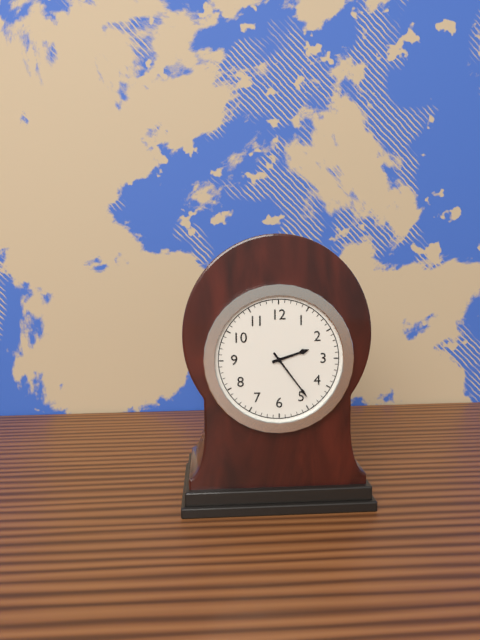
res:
2.24
